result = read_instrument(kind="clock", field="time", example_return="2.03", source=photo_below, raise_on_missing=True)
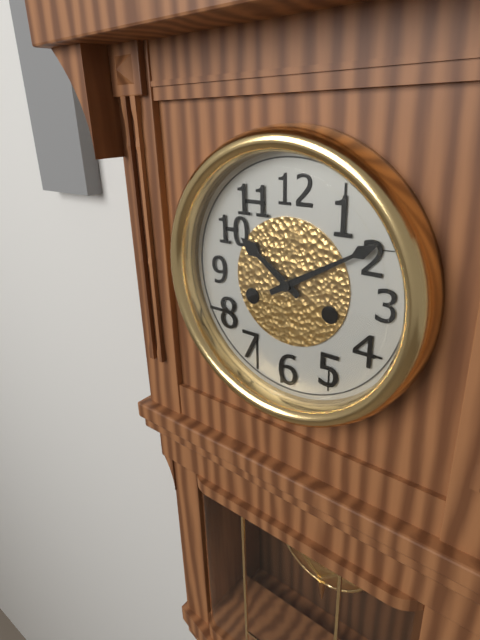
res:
10.10
